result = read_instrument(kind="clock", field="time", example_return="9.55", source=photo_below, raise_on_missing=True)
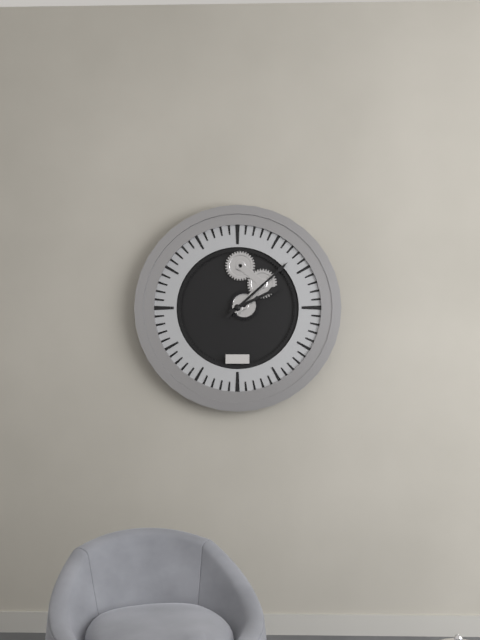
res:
2.08
